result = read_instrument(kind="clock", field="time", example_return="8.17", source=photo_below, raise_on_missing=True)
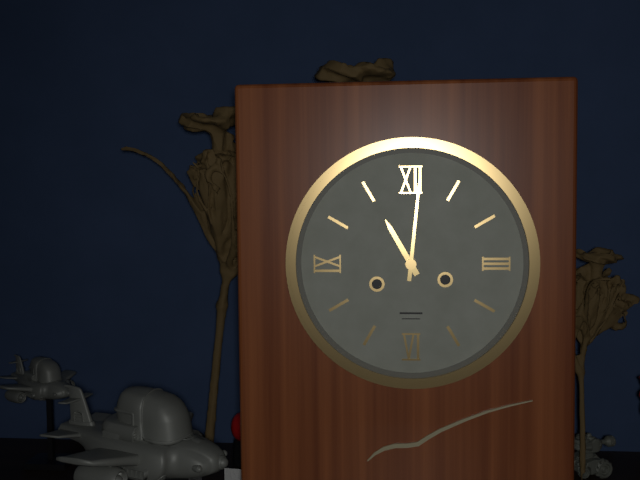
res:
11.01
